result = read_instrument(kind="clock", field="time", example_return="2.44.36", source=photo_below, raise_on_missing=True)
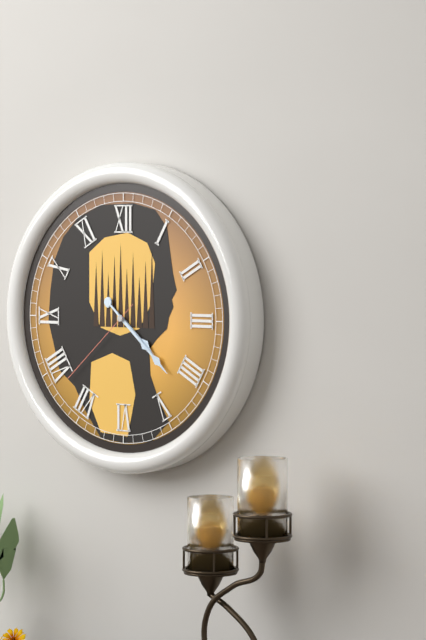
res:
4.22.38
